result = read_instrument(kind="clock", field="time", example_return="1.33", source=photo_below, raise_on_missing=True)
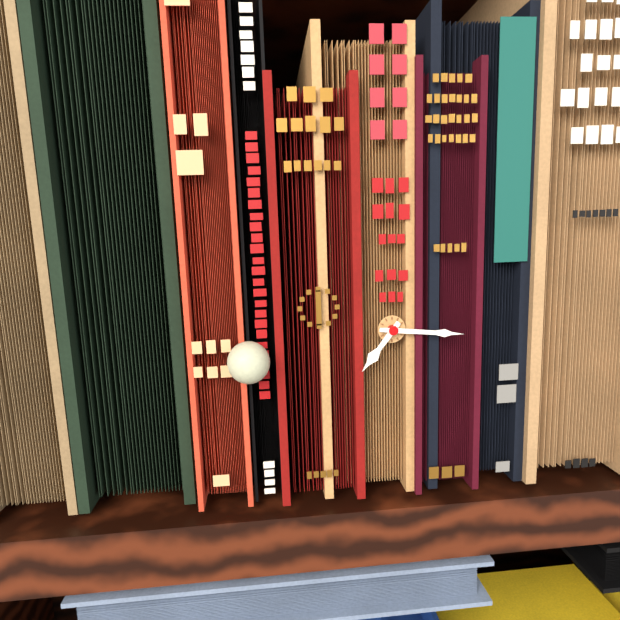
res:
7.16
